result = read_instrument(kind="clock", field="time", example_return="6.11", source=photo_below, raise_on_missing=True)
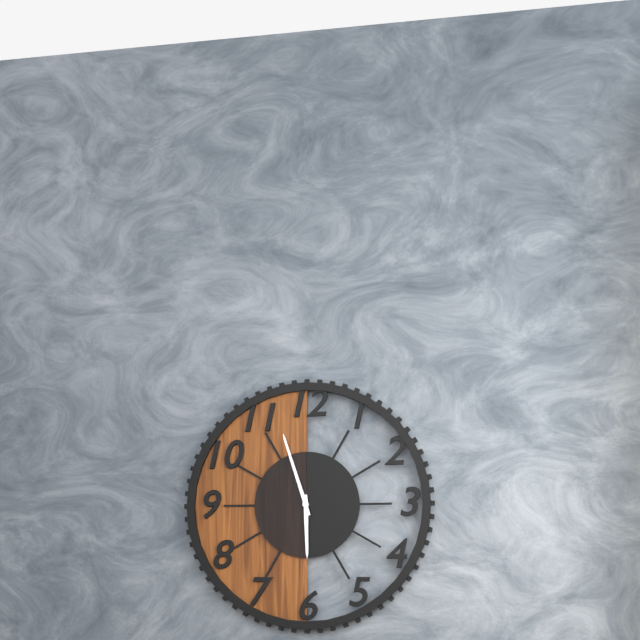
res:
5.57
